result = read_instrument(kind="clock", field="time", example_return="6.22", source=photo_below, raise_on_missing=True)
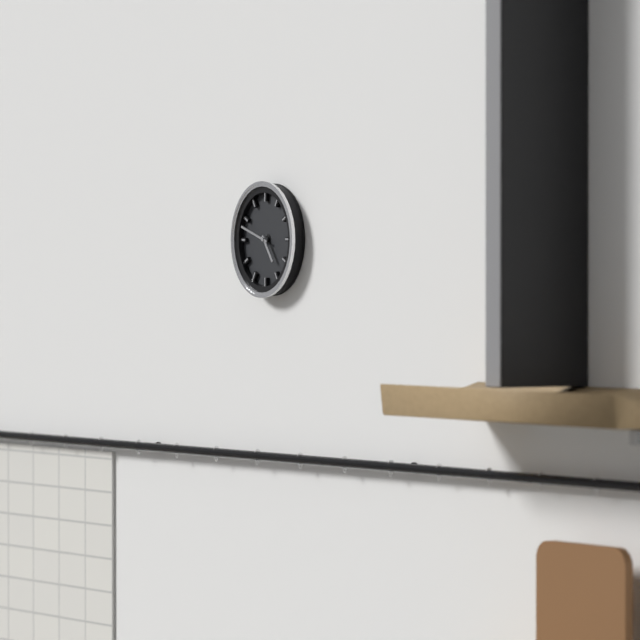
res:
4.48
